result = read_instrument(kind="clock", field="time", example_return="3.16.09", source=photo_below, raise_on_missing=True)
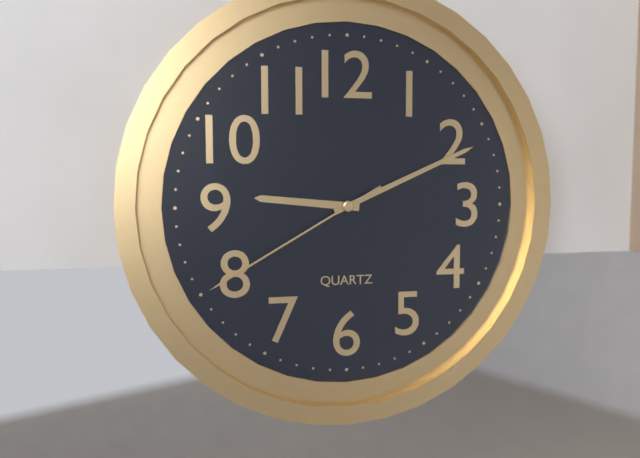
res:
9.11.40
